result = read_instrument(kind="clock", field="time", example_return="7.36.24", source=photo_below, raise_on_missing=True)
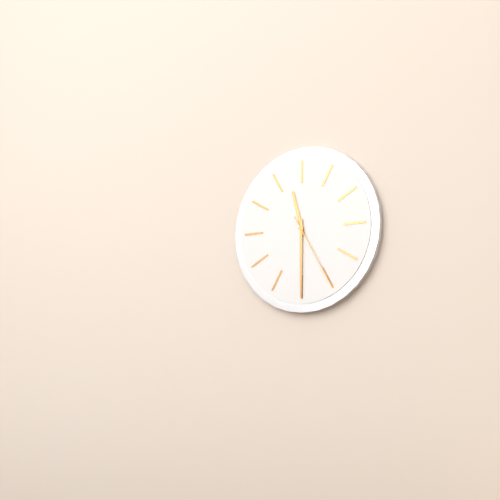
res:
11.30.25
